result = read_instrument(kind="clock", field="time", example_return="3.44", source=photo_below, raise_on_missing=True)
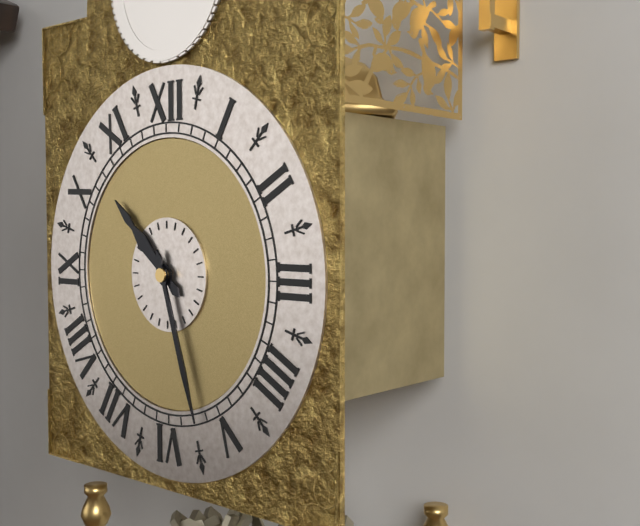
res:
10.27
